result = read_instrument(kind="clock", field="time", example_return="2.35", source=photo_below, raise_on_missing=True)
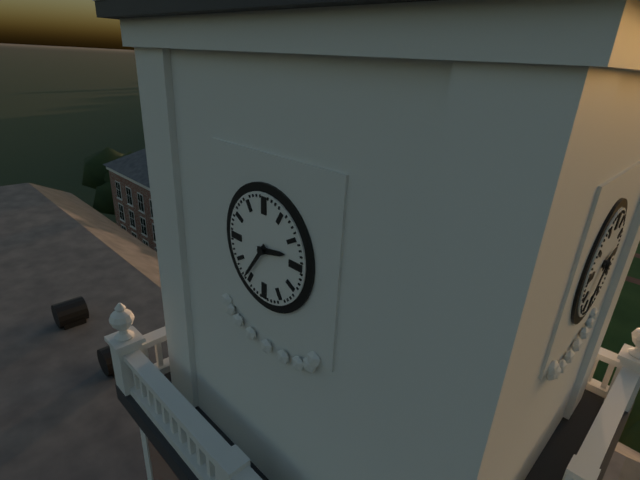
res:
2.36
